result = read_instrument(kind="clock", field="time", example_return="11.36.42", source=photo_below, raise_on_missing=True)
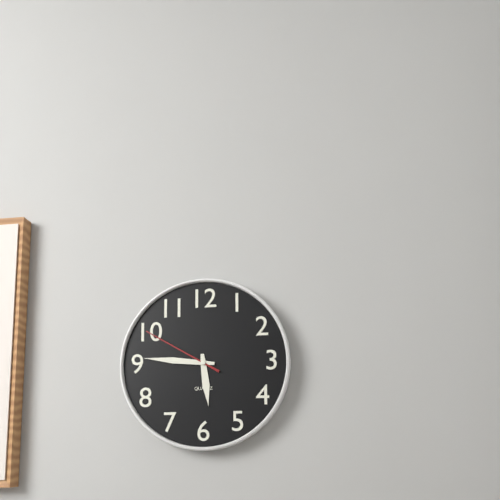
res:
5.46.50
